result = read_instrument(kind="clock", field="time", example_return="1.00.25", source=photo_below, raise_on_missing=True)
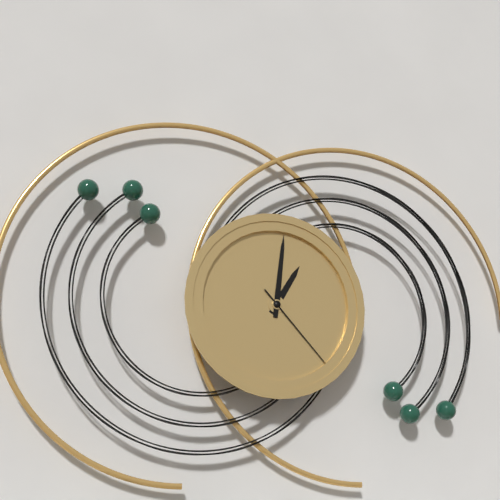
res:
1.01.23
